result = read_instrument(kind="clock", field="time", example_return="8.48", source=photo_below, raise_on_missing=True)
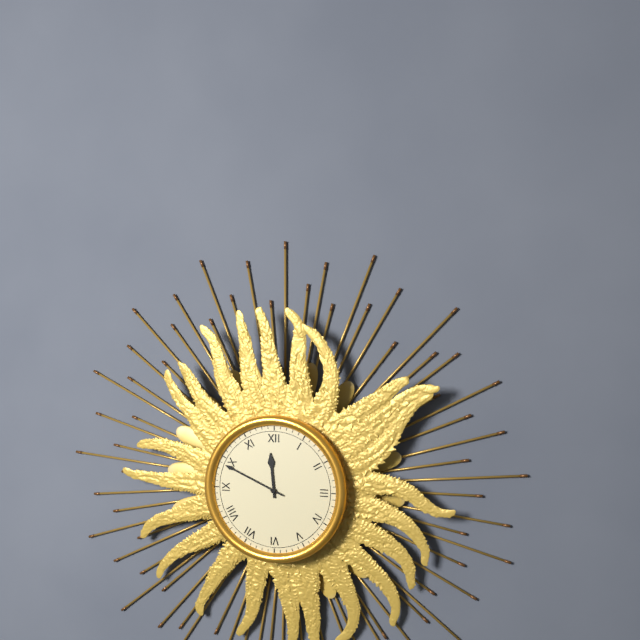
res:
11.49
